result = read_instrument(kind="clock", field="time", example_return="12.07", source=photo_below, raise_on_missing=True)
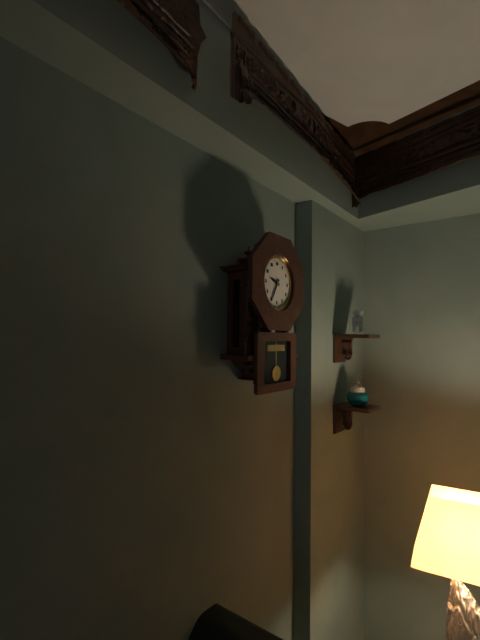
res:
9.35
